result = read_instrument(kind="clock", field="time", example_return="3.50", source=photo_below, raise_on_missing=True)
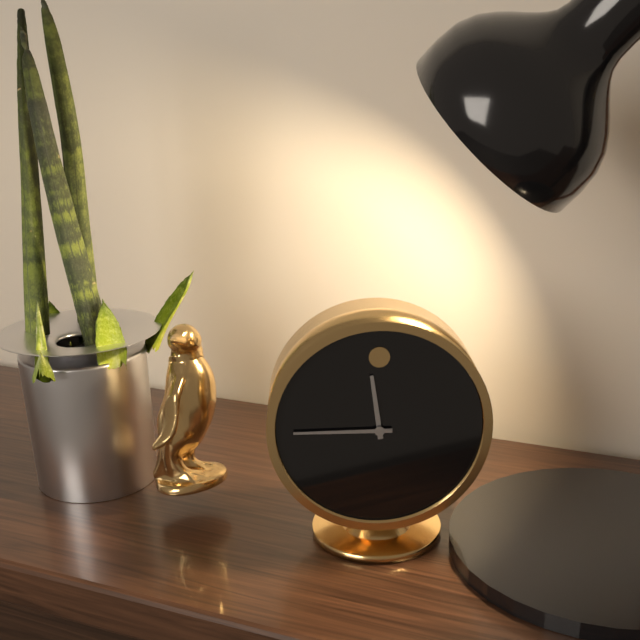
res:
11.45
